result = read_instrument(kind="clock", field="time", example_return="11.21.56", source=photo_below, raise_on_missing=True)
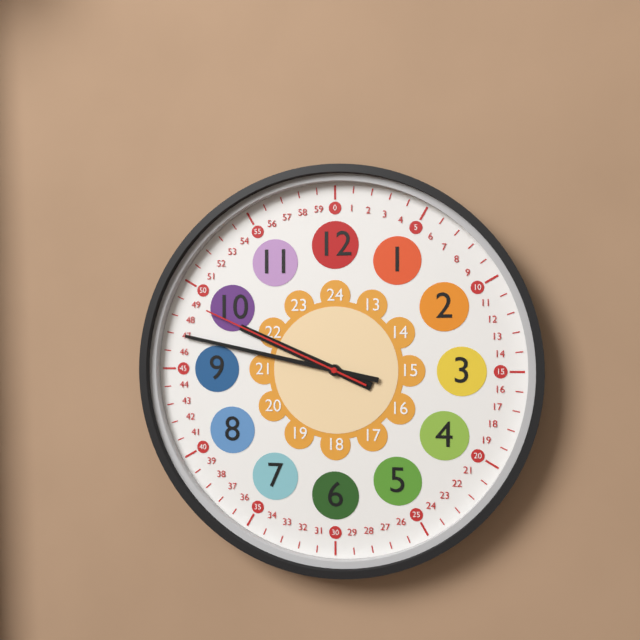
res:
9.47.49
